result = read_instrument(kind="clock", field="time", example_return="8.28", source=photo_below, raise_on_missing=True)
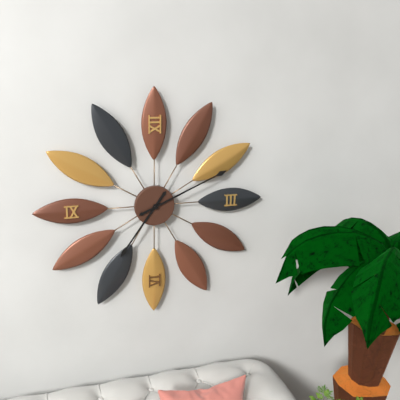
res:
7.11
